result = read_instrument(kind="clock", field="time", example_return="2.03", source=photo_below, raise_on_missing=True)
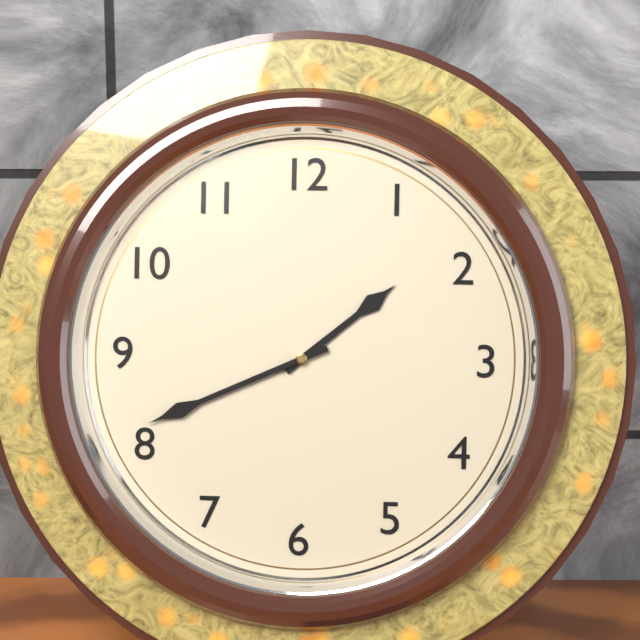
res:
1.41
